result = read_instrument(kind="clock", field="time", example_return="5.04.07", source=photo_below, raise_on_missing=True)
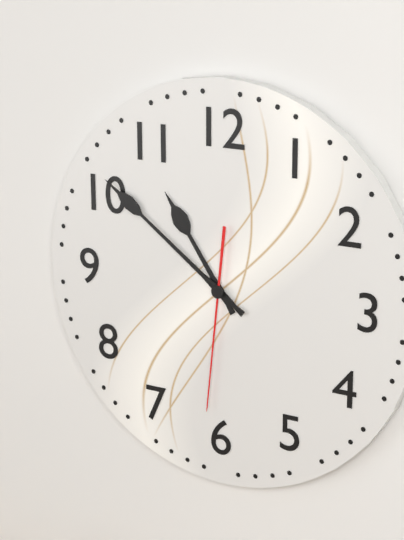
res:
10.51.31
